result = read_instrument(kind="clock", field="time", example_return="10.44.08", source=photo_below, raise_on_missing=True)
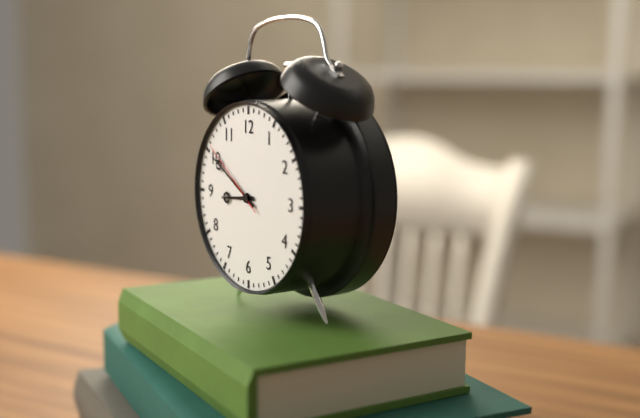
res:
8.50.51
